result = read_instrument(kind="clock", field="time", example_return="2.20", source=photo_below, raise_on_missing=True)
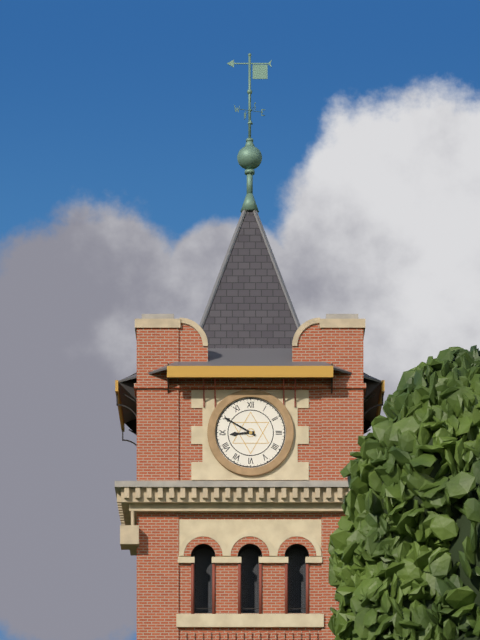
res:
8.50
